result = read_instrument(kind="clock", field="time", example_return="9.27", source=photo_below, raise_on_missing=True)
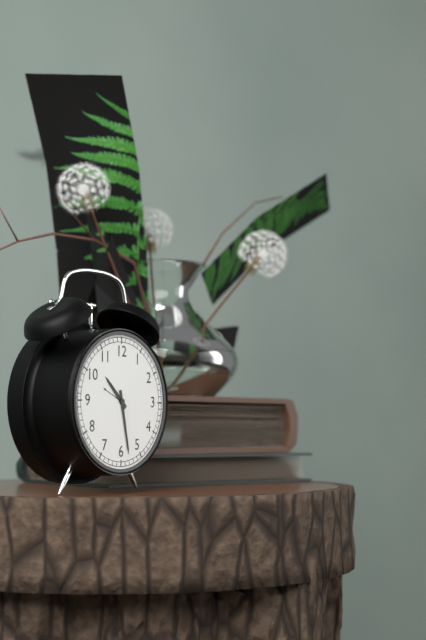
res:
10.28
